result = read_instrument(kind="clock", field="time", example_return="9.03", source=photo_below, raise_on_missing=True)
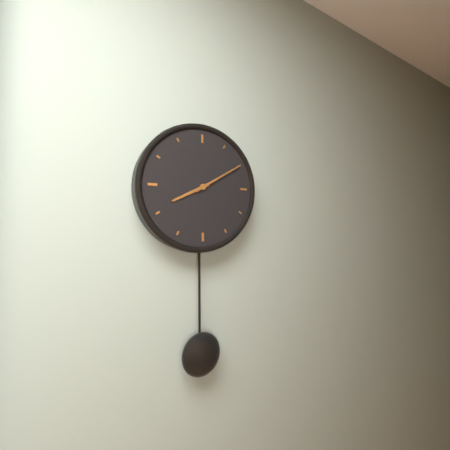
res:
8.10
